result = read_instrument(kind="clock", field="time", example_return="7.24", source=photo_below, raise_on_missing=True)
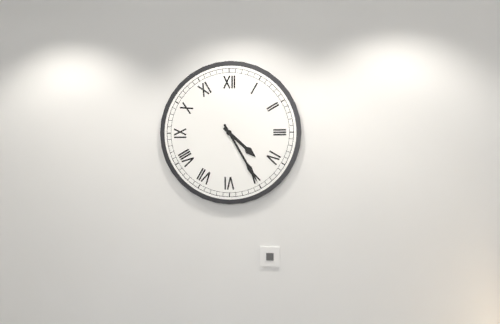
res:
4.25
